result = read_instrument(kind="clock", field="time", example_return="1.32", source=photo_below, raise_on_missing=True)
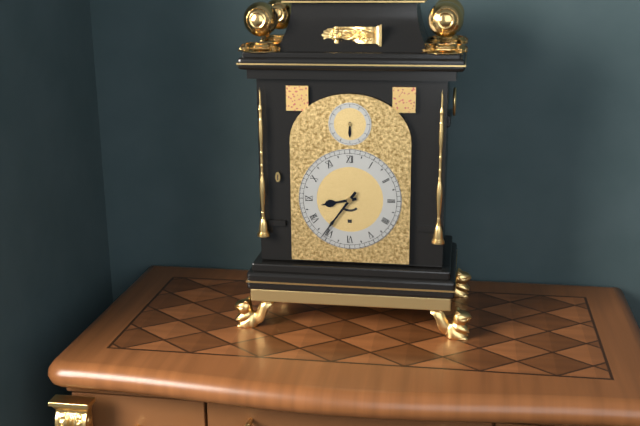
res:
8.36
